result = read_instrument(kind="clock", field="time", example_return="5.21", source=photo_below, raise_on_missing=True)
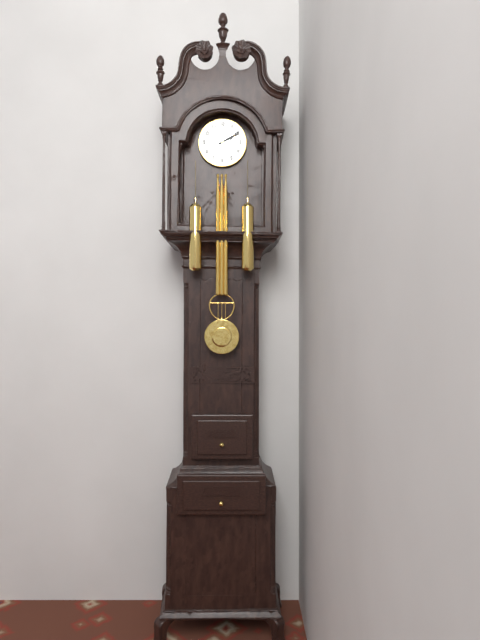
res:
2.10
